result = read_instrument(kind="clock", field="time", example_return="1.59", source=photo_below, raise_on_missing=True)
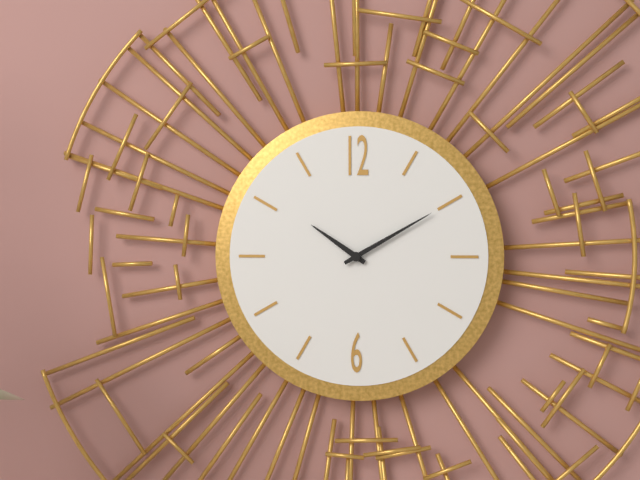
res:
10.10
